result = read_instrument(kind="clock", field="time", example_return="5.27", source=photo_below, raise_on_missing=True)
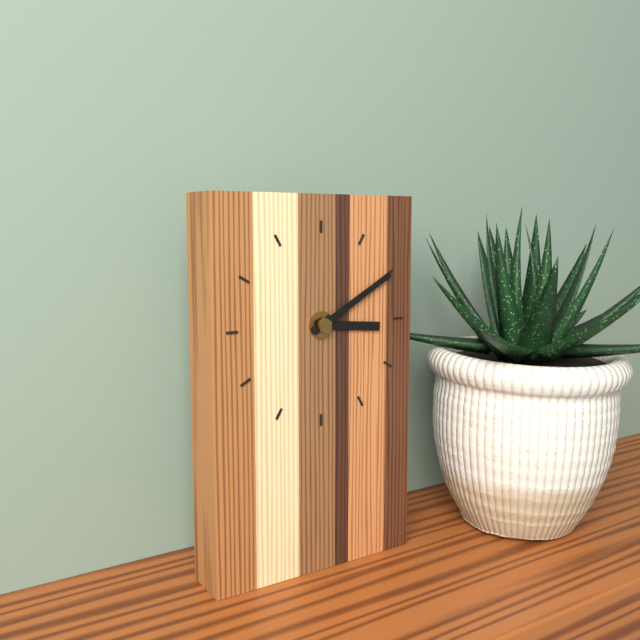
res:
3.10
